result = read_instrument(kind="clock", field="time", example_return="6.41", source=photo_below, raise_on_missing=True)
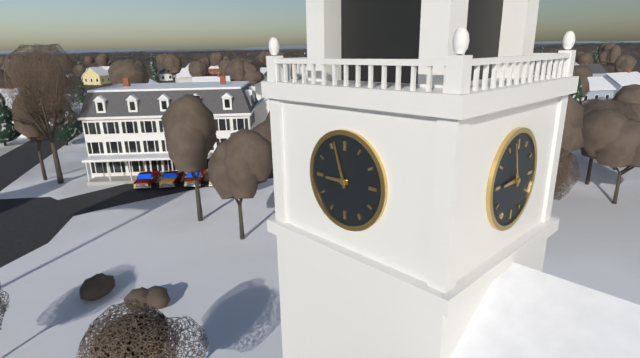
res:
8.57
